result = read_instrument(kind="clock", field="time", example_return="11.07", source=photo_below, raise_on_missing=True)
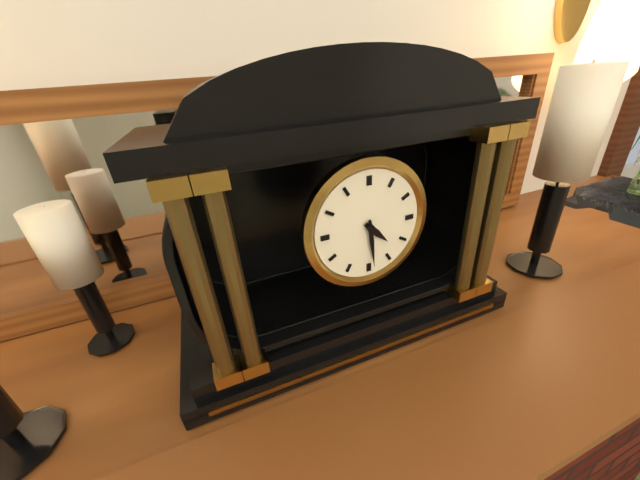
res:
4.29
